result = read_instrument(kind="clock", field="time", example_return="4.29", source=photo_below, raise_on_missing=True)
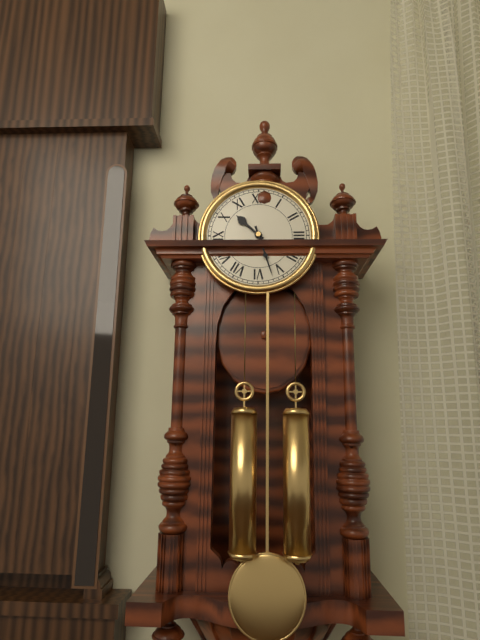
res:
10.27
